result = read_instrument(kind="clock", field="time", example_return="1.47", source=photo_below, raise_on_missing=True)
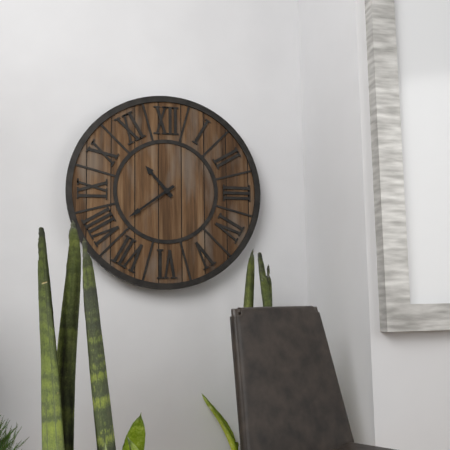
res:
10.39
